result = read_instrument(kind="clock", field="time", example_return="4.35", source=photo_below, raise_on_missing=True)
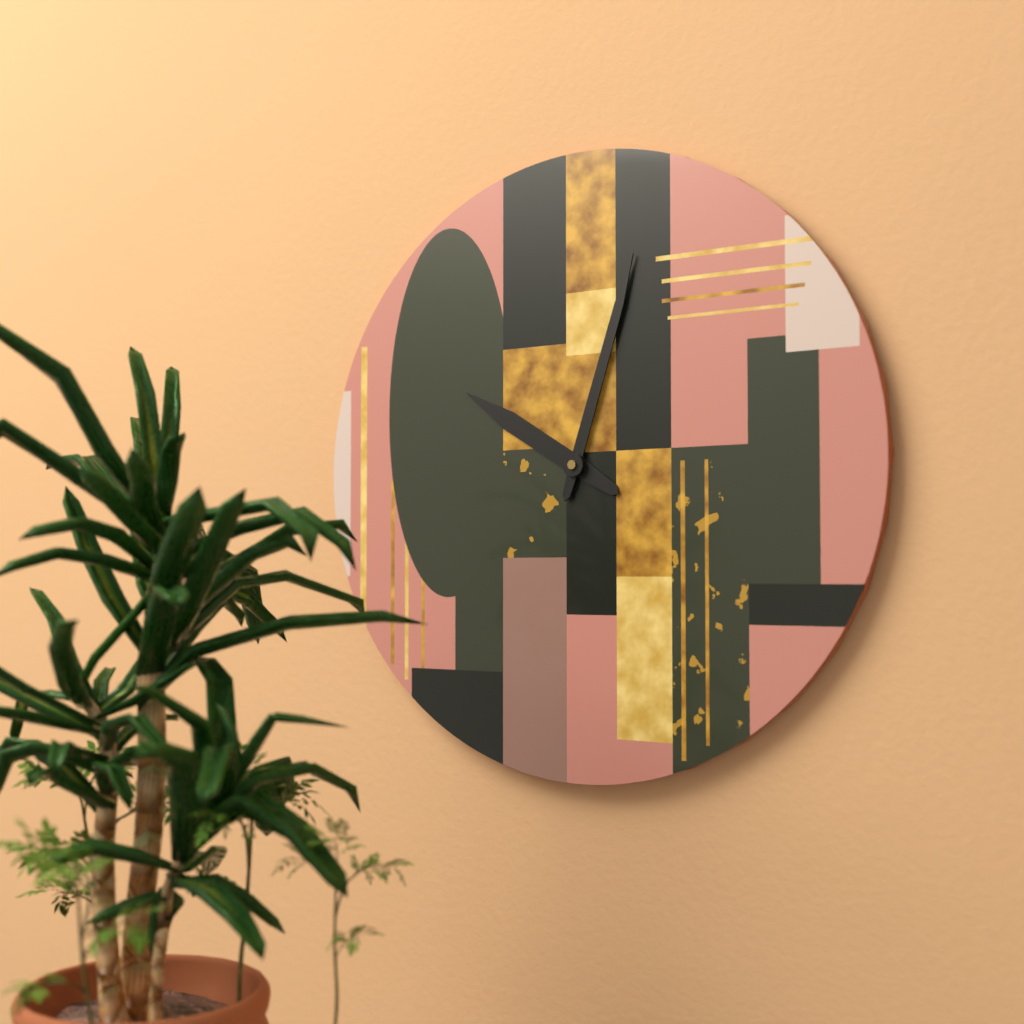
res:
10.03
